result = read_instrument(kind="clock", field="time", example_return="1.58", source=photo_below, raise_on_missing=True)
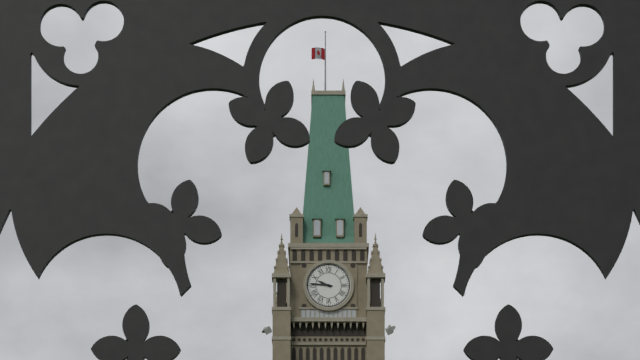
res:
9.46
